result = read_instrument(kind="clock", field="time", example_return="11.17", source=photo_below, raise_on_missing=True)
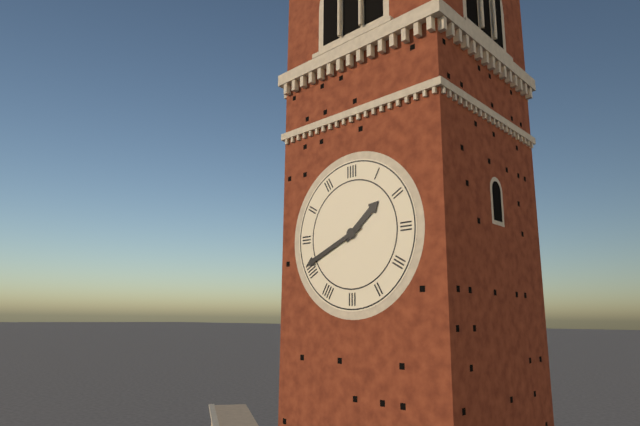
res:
1.41
